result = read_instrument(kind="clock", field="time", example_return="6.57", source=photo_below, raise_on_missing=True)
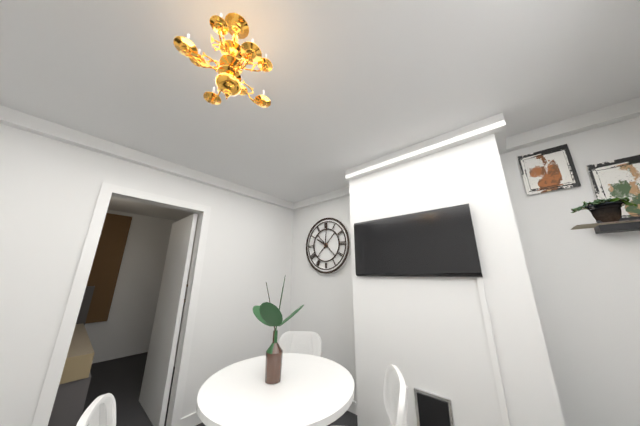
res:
10.01
